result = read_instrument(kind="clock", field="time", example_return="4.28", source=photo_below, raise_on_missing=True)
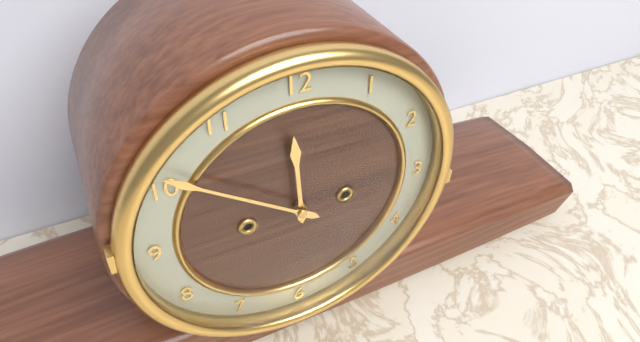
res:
11.51
